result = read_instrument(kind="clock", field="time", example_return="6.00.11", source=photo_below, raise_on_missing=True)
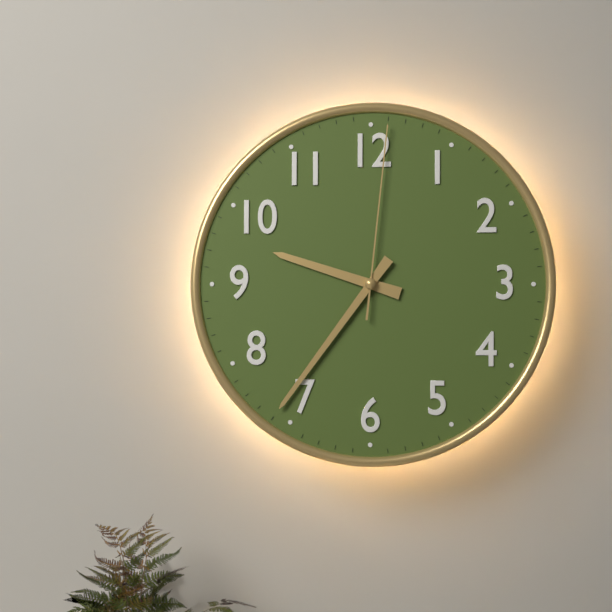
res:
9.36.01
